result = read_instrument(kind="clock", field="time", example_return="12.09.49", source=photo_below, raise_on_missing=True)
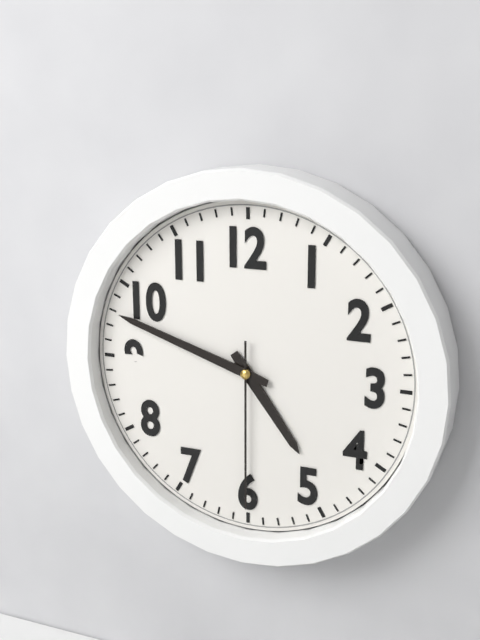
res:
4.48.30
